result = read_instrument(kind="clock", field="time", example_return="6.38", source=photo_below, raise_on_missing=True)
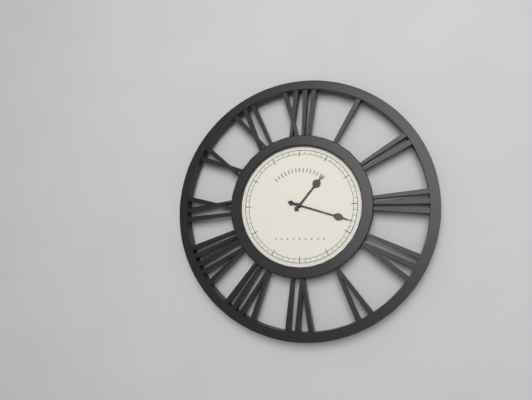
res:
1.18
